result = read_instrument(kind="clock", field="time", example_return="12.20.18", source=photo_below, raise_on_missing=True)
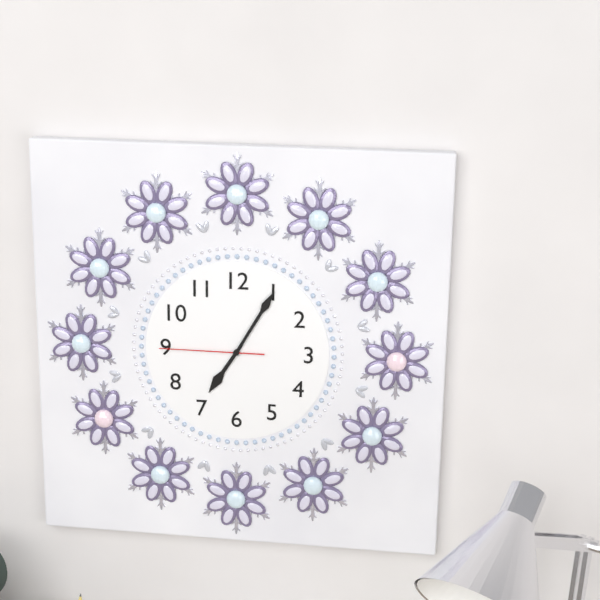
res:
7.05.45
